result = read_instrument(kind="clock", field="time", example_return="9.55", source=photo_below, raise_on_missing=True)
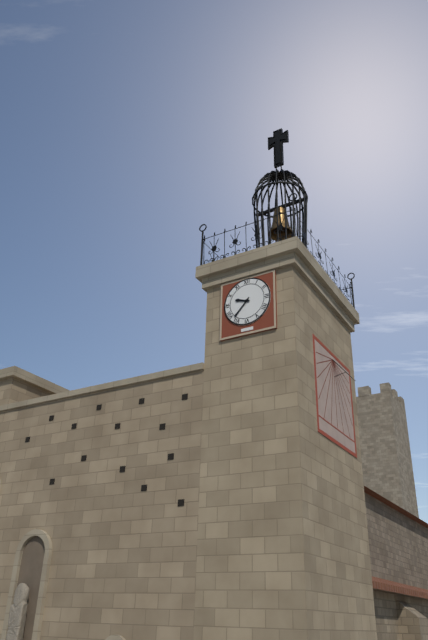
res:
9.37
